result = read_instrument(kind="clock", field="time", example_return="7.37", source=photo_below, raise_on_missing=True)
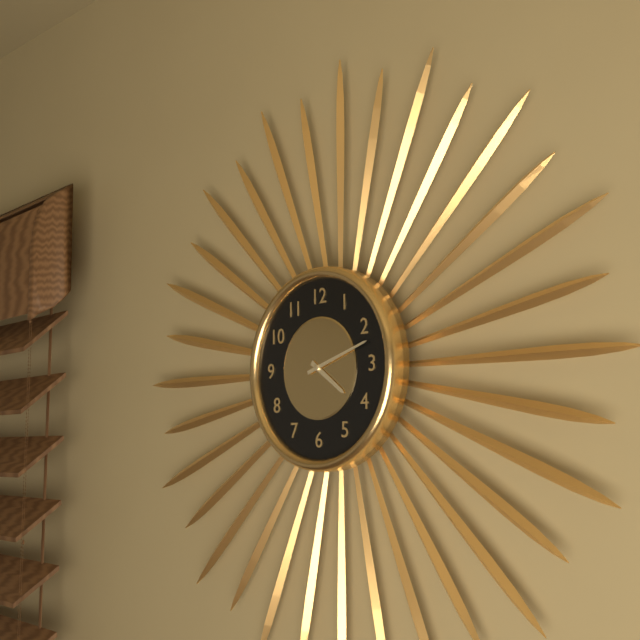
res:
4.12
